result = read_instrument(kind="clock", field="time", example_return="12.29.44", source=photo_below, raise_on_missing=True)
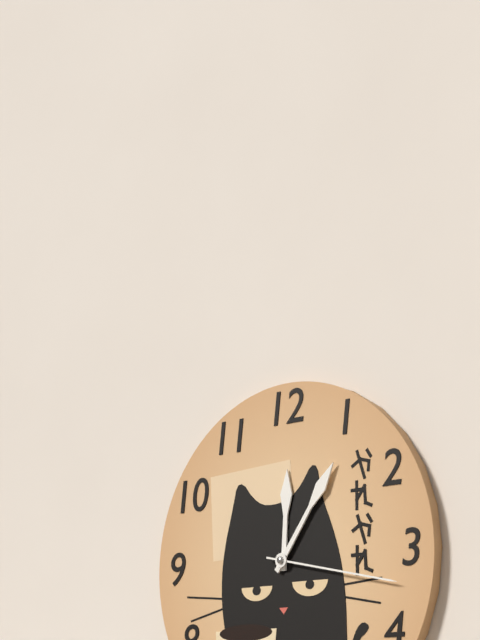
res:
12.06.17
